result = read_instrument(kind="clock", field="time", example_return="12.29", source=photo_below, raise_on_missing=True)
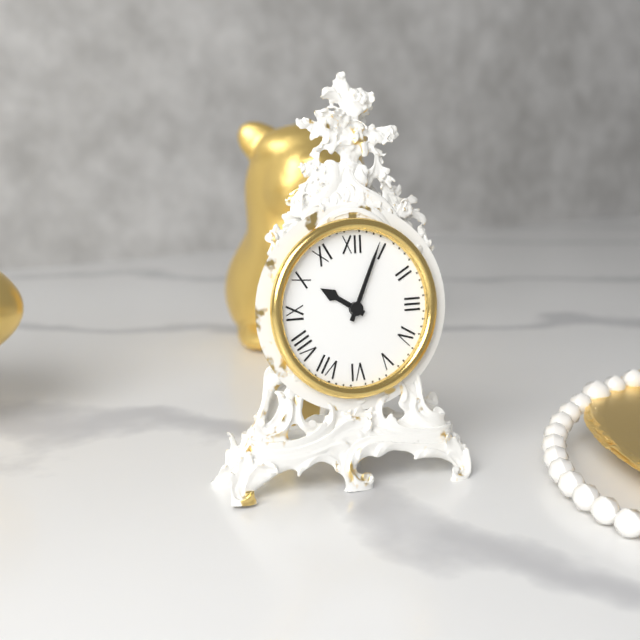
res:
10.04
